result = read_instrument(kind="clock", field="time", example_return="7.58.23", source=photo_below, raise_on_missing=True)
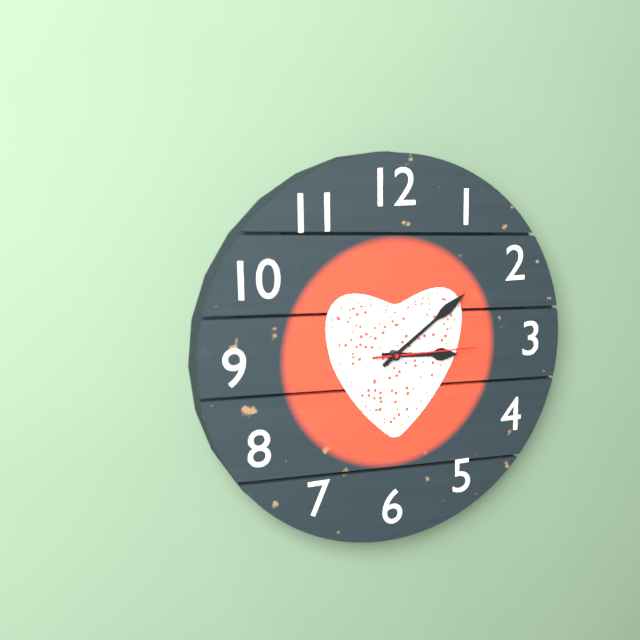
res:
3.09.15
